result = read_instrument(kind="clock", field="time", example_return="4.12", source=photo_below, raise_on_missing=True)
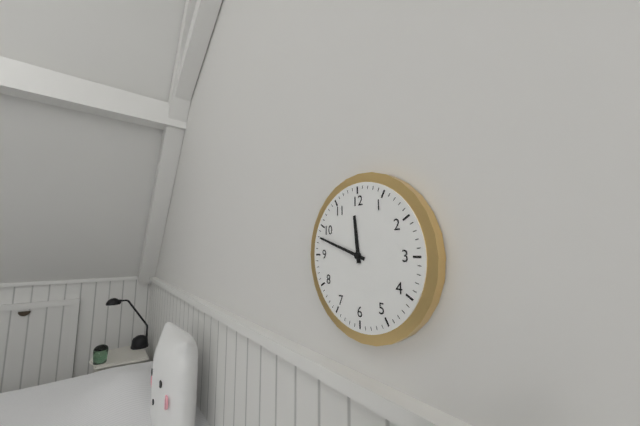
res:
11.48
